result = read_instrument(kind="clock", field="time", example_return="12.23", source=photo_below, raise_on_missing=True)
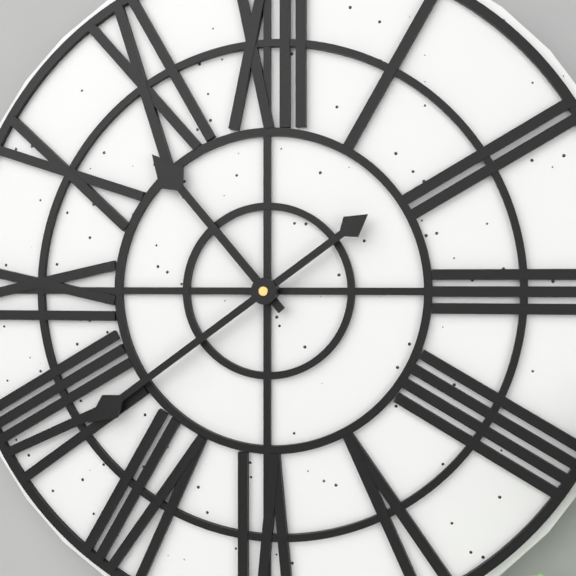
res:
10.39
